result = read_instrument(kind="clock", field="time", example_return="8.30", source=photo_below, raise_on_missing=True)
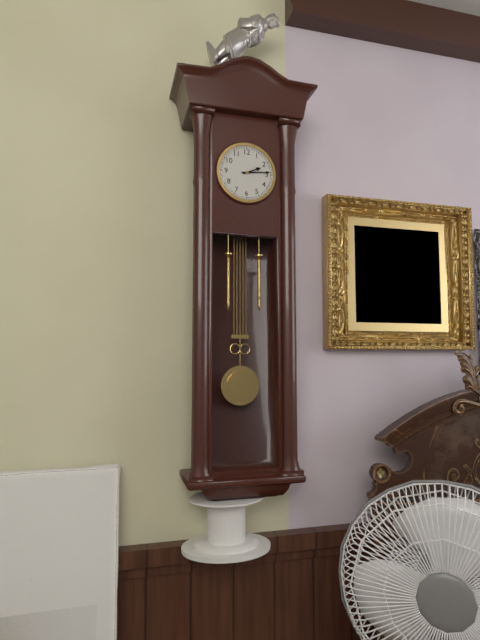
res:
2.14
